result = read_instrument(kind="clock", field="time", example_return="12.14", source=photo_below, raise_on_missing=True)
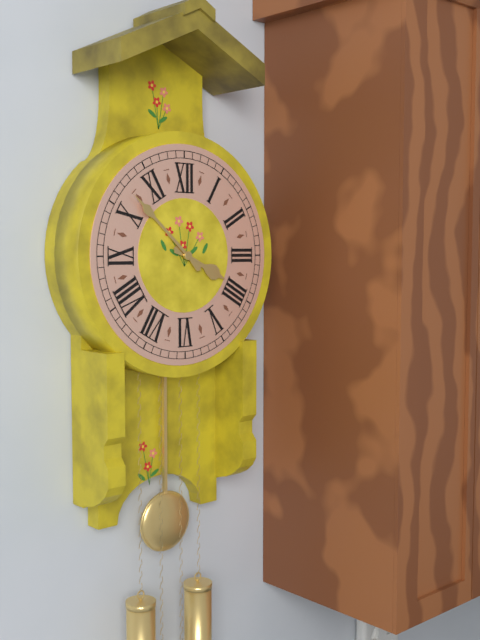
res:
3.52
